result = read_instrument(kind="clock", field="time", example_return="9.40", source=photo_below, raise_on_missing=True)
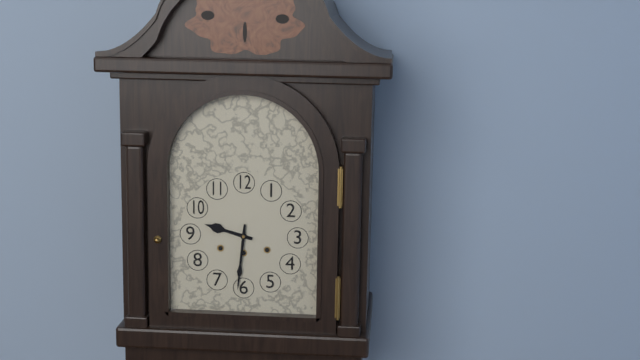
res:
9.31
